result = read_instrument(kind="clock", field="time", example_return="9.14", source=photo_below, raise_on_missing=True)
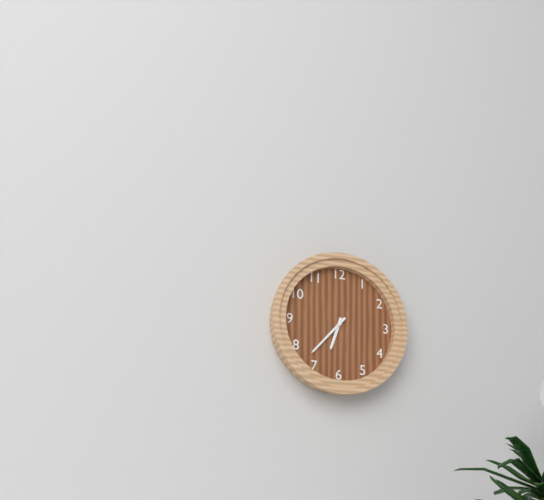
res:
6.37
